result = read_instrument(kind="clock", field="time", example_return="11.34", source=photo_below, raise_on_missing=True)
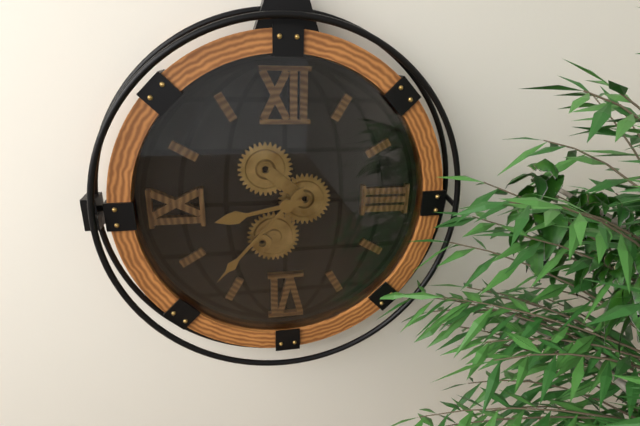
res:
8.37
